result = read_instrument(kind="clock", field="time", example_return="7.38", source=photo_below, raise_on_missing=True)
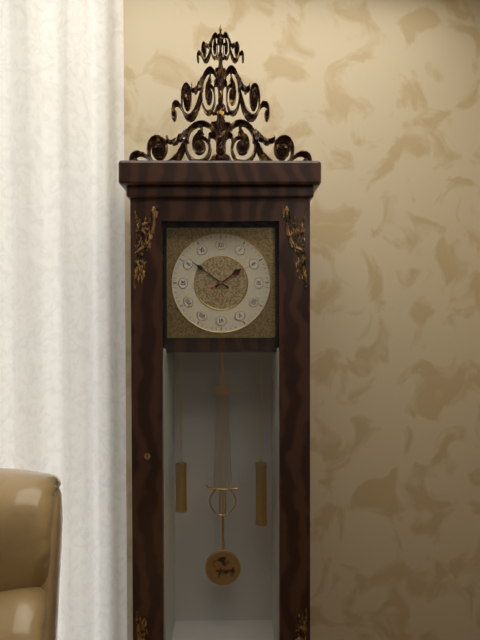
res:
1.51
